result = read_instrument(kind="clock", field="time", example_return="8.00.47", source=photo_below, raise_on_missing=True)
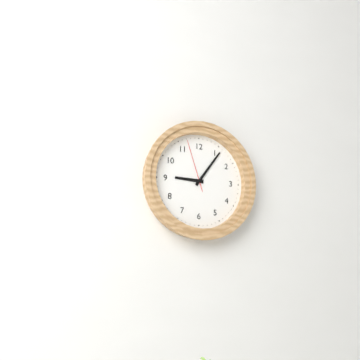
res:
9.06.57
